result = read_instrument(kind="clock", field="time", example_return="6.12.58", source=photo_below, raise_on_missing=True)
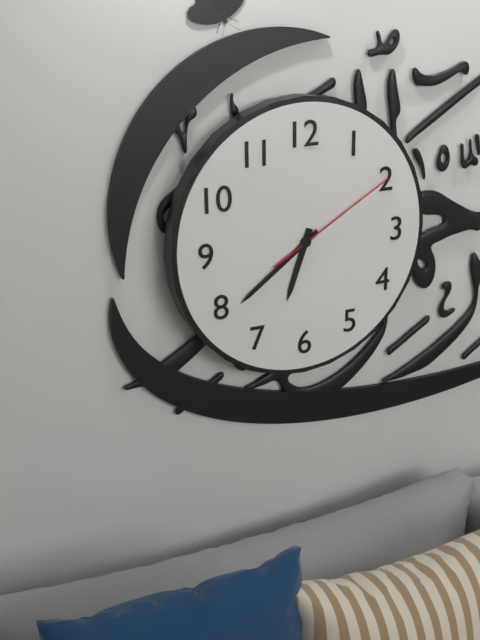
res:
6.39.10
